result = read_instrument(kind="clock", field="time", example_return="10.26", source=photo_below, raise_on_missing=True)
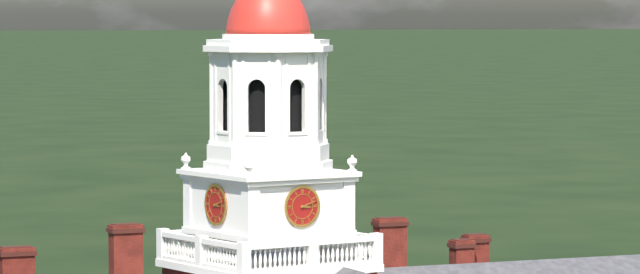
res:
3.12
